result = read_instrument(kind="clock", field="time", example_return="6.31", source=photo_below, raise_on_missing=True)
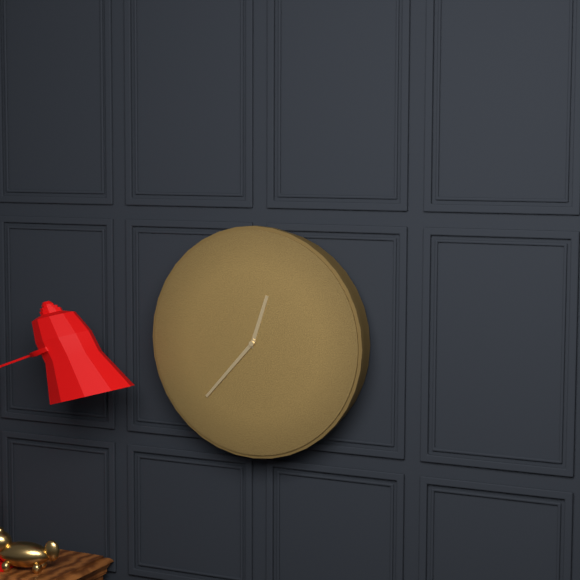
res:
12.37
